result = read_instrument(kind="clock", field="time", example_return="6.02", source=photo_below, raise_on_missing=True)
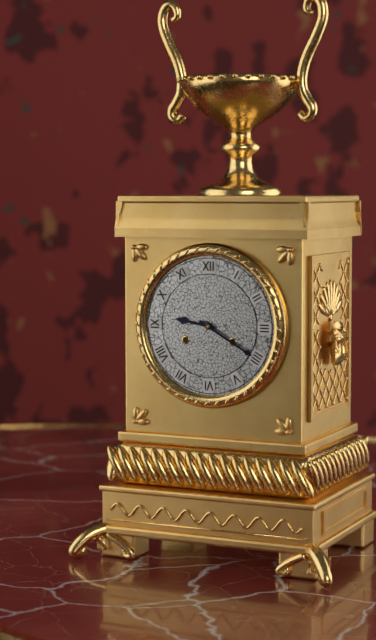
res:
9.20
